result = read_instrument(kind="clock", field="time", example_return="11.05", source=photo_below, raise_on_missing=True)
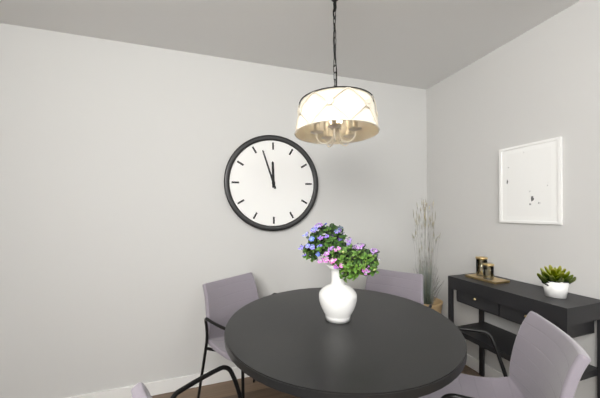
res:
11.57
